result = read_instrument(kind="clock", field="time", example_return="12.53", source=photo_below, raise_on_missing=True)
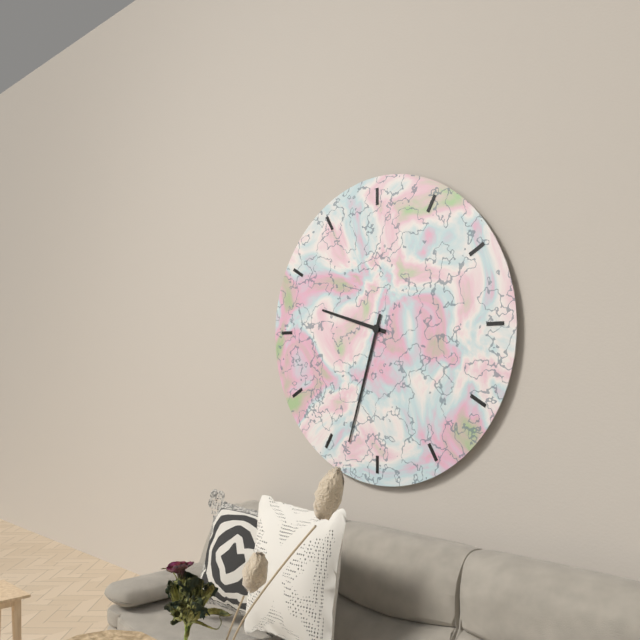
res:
9.33
